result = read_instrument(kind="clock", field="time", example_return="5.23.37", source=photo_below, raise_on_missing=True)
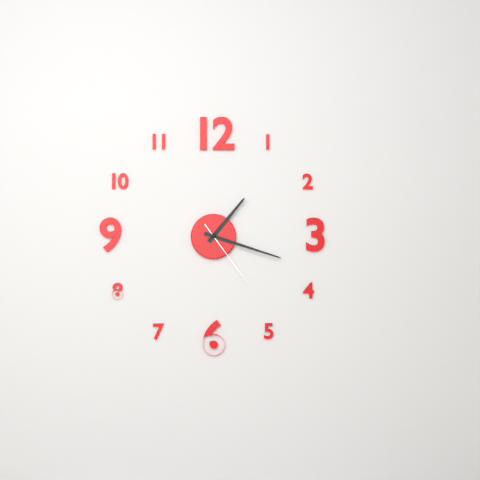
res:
1.18.24
